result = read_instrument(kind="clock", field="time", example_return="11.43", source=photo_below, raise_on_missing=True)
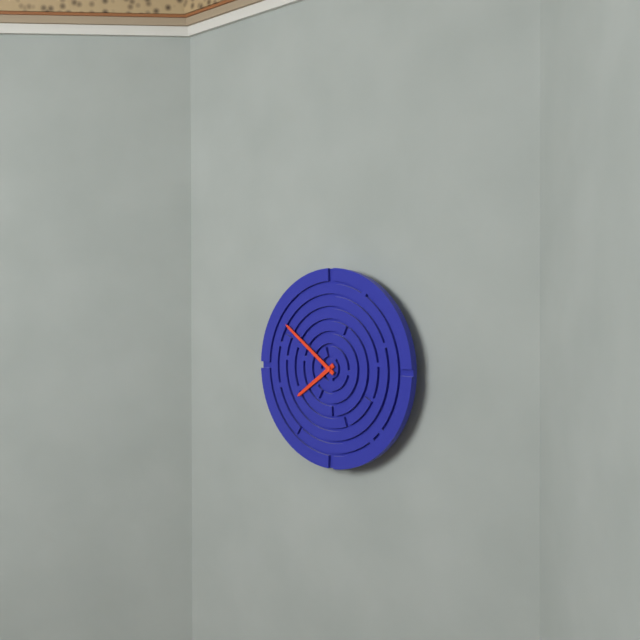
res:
7.51
